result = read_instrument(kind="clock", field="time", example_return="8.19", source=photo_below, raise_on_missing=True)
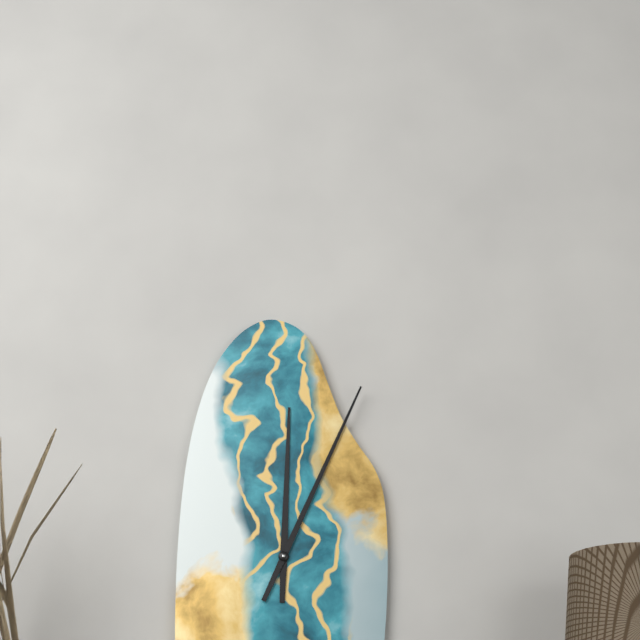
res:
12.04
